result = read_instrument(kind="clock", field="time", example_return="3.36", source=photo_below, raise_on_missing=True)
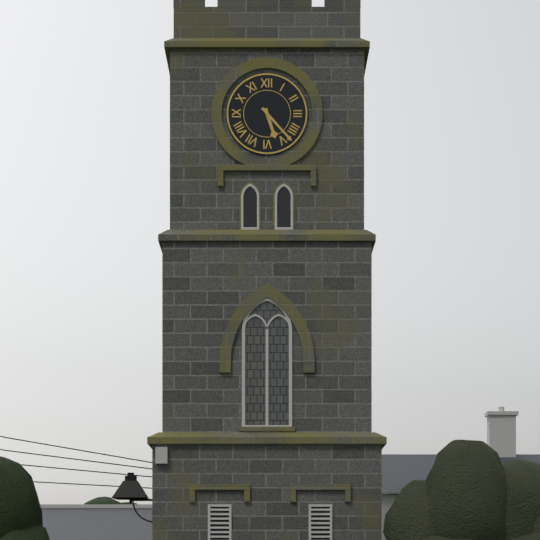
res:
5.23
